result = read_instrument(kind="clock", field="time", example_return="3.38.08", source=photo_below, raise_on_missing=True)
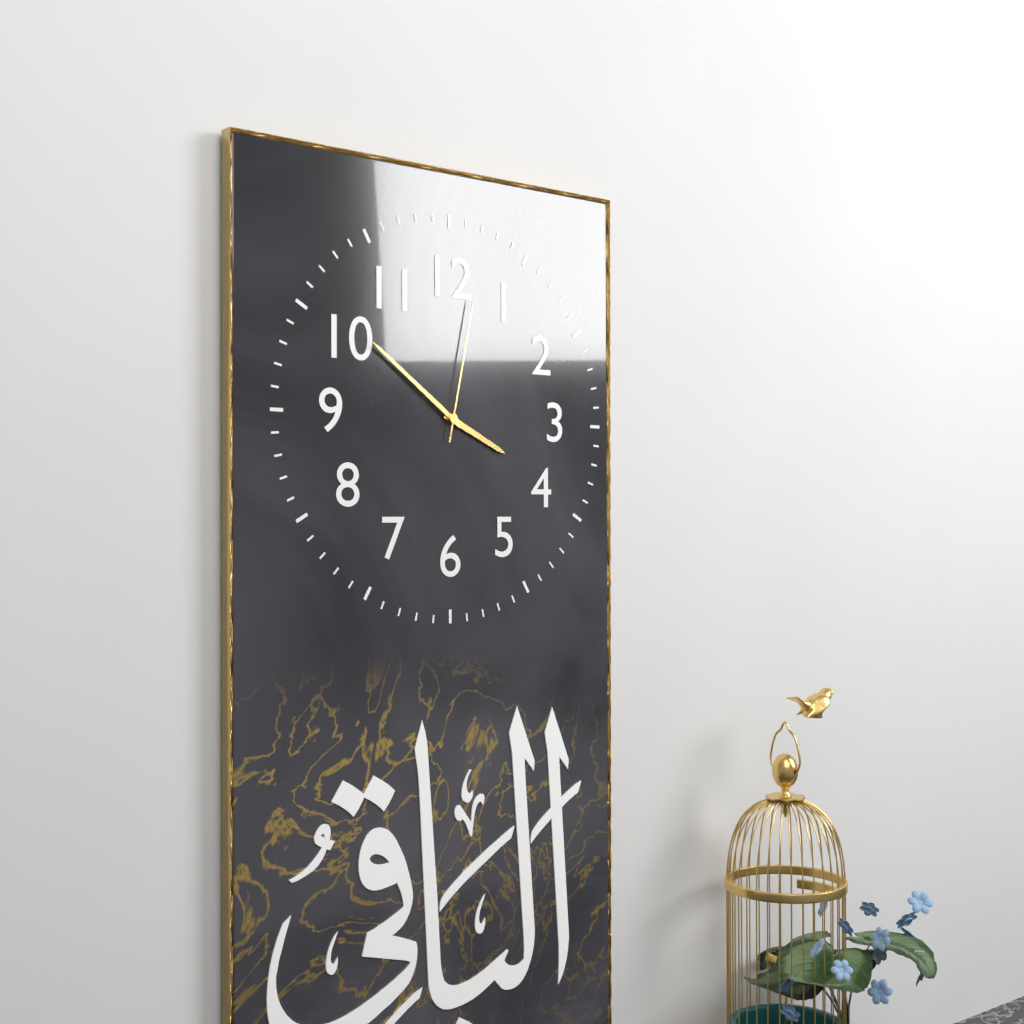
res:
3.51.02
